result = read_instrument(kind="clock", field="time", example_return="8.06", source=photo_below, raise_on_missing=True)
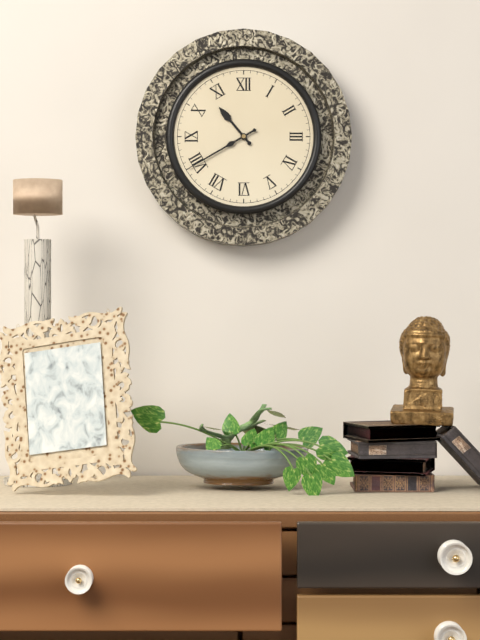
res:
10.40
